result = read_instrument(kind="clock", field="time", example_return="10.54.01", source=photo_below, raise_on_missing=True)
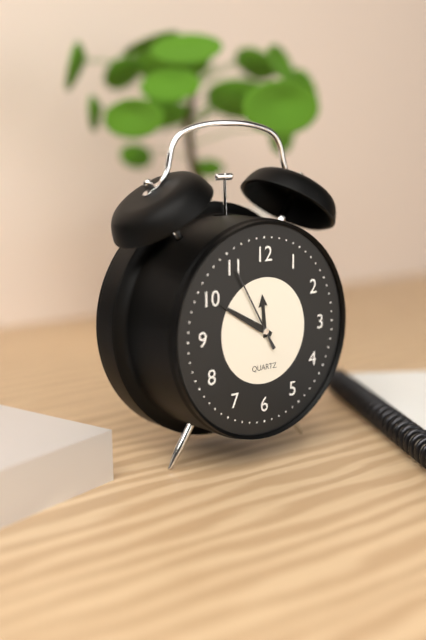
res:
11.50.55
